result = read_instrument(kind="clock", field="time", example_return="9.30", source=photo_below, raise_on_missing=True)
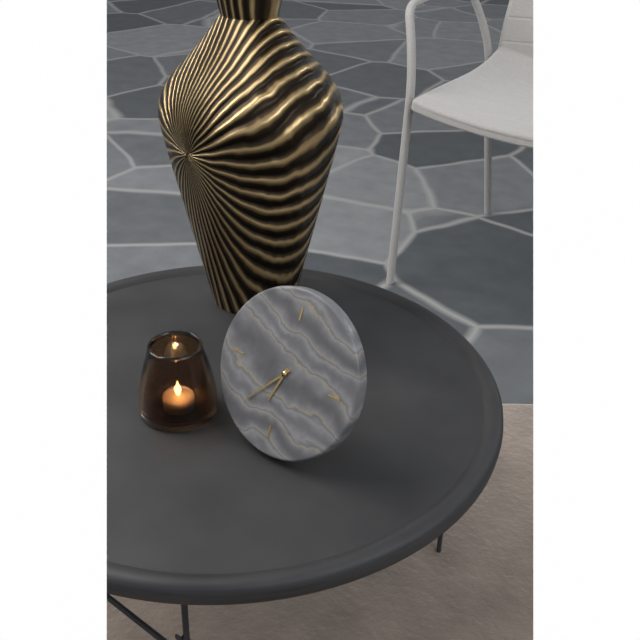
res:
6.37
